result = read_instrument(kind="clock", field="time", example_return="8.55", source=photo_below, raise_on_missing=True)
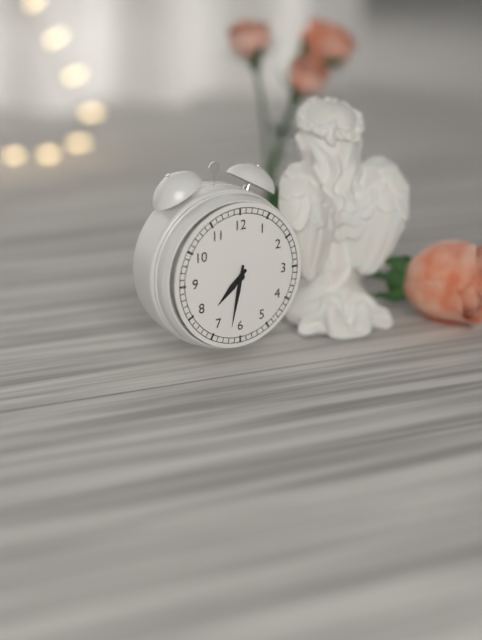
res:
7.32
